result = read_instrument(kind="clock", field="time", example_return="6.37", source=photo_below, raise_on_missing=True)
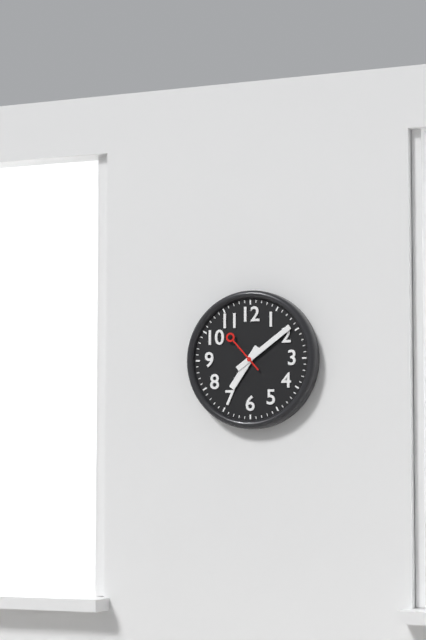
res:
7.09
